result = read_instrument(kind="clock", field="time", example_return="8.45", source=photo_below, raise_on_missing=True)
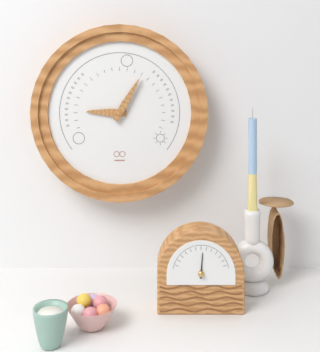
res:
9.05
